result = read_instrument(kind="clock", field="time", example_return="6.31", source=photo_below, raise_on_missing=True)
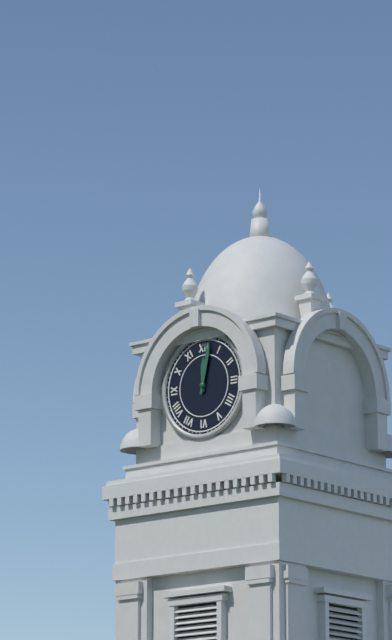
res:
12.02
